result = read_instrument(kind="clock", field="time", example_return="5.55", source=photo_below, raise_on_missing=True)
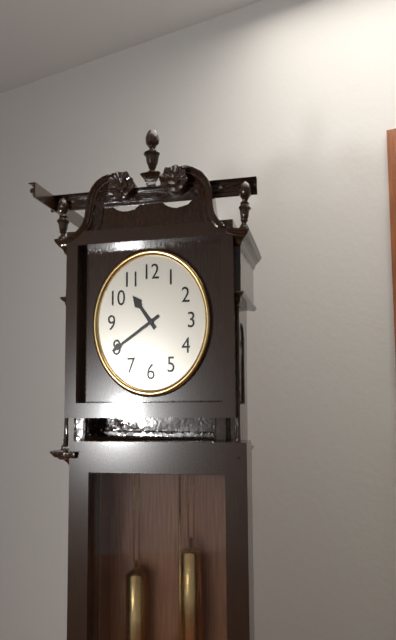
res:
10.40
